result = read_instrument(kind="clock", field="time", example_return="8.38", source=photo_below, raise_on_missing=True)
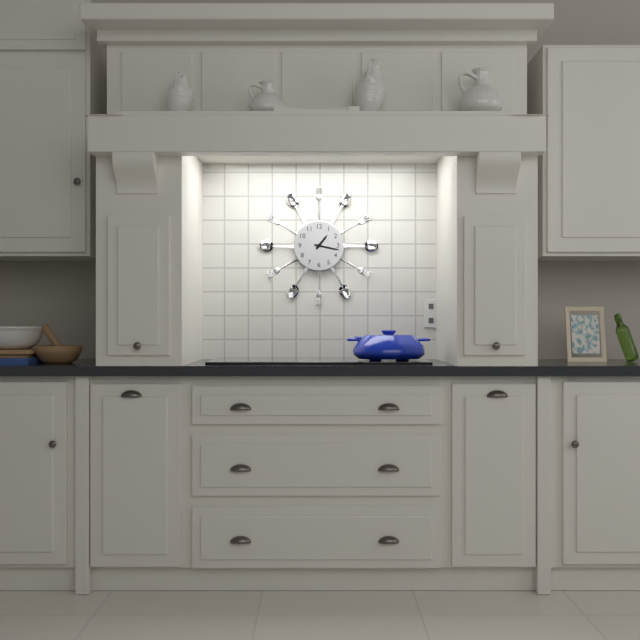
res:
1.17
